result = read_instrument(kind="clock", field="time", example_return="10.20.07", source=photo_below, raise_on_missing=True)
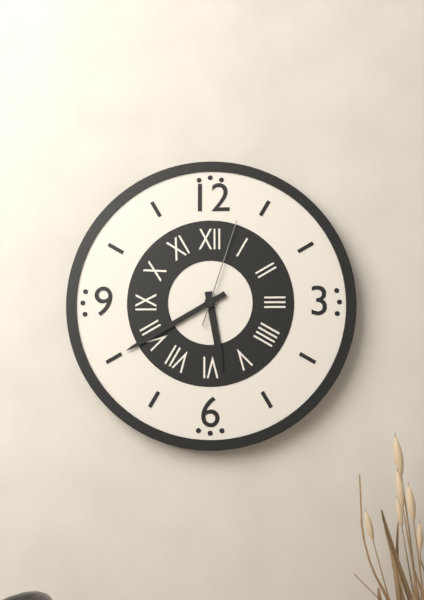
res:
5.40.03
